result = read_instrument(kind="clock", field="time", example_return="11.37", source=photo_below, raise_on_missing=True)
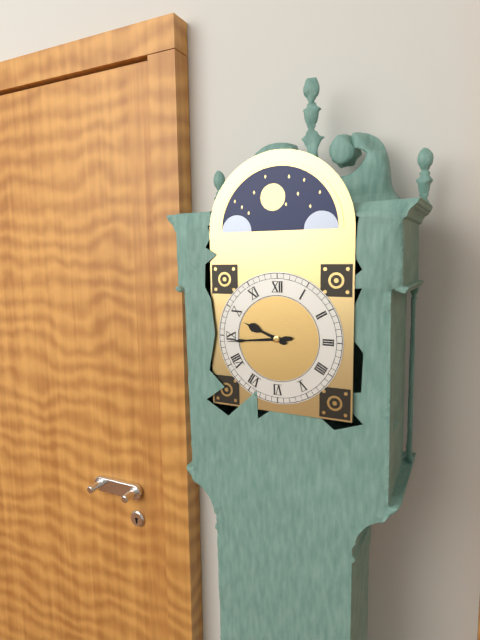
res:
9.44
